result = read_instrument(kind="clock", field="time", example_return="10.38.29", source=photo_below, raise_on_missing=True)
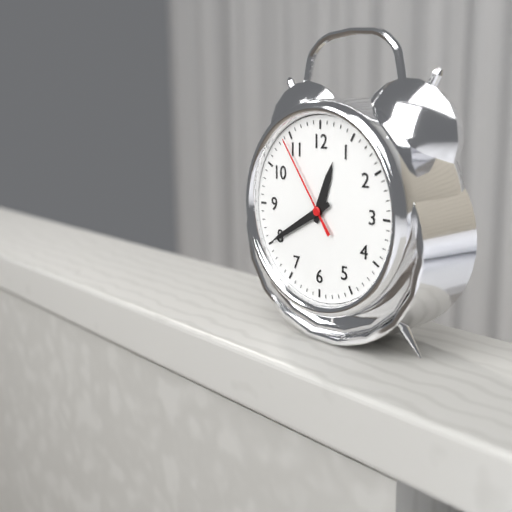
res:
12.40.54
